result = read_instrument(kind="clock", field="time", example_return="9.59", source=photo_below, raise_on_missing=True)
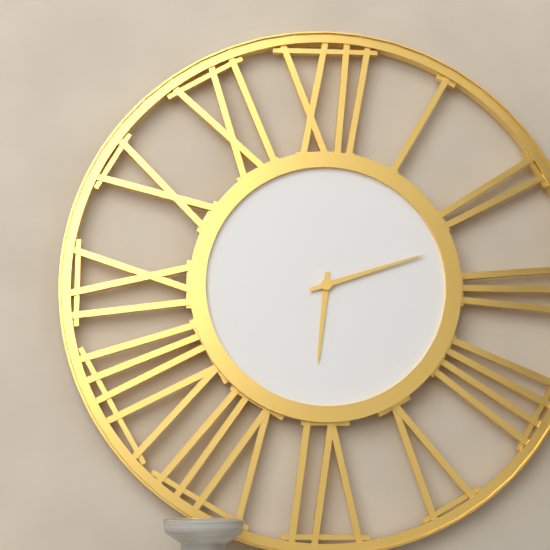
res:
6.12
